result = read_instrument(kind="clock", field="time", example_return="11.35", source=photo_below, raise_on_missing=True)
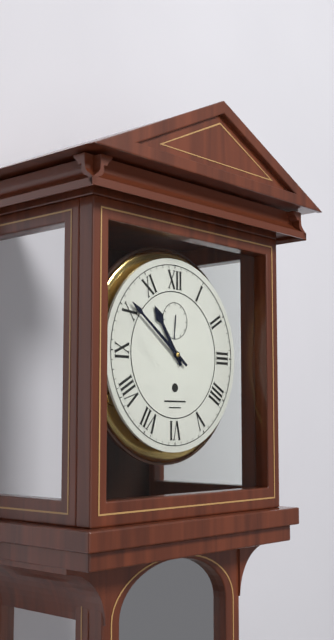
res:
10.51
